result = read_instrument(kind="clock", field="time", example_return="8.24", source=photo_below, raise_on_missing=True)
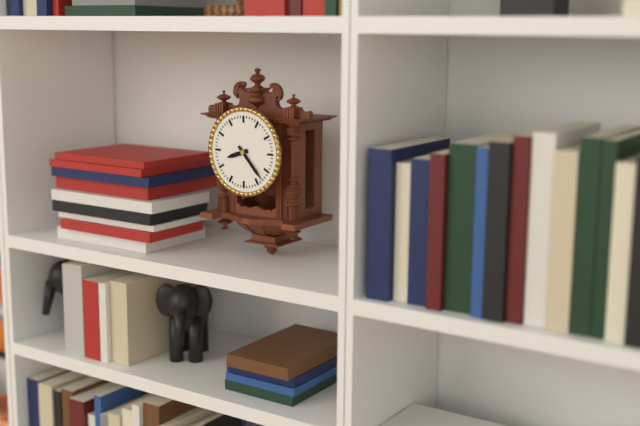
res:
8.23
